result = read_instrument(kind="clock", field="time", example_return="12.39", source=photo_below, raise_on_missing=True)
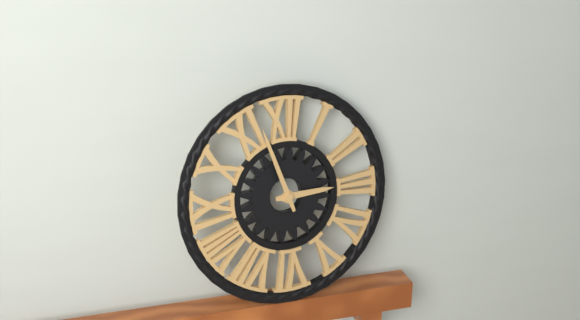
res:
2.57
